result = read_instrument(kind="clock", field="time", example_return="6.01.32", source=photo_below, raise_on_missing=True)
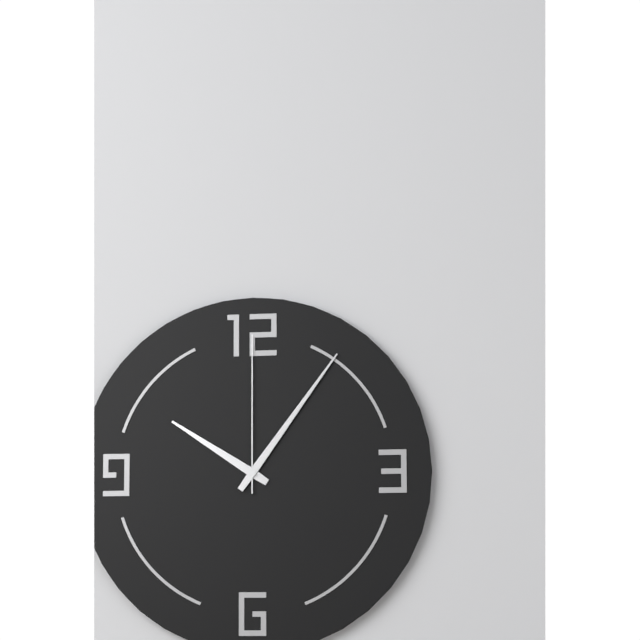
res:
10.06.00
